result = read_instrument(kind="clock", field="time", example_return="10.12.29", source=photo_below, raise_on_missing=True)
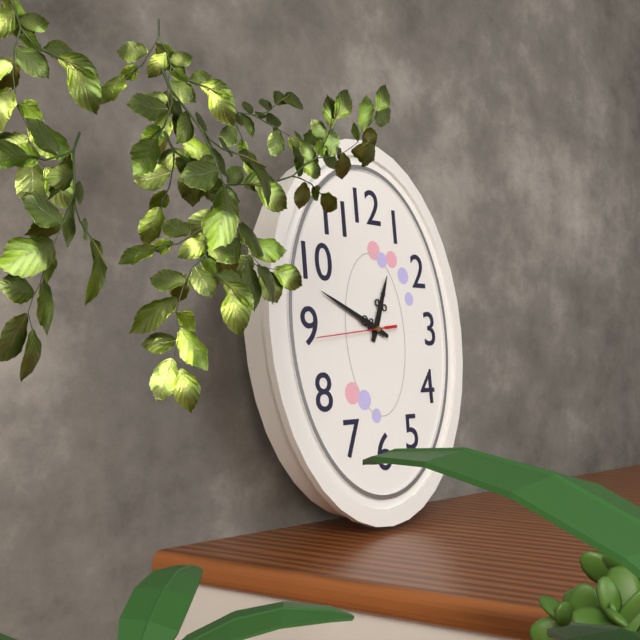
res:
12.49.44
